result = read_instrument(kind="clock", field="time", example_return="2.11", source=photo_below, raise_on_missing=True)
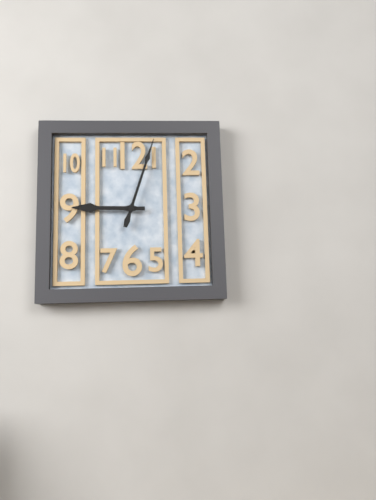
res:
9.03
